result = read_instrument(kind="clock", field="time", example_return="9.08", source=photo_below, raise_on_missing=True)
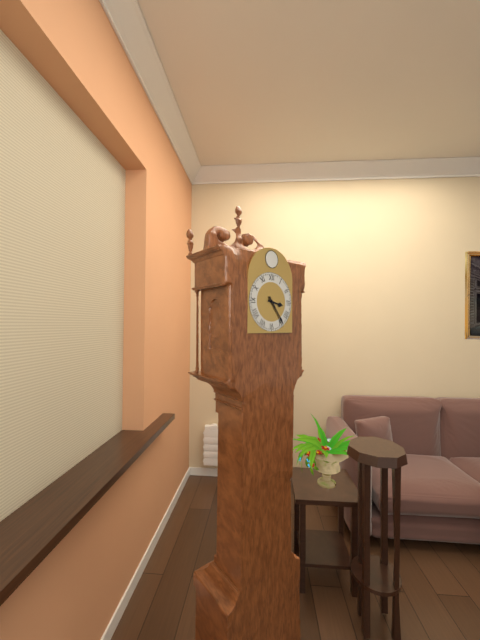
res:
3.24
